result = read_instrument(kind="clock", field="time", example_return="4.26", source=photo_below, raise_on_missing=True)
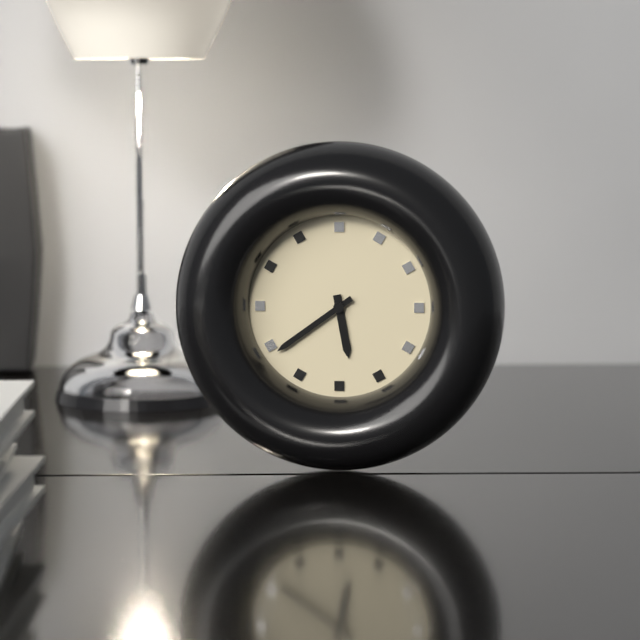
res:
5.39
